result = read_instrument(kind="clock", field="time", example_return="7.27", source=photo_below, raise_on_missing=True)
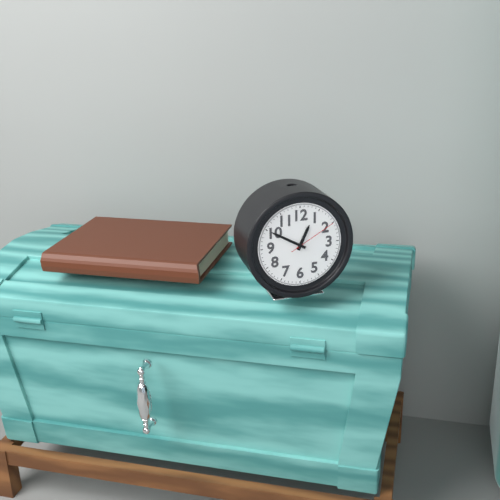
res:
12.50
